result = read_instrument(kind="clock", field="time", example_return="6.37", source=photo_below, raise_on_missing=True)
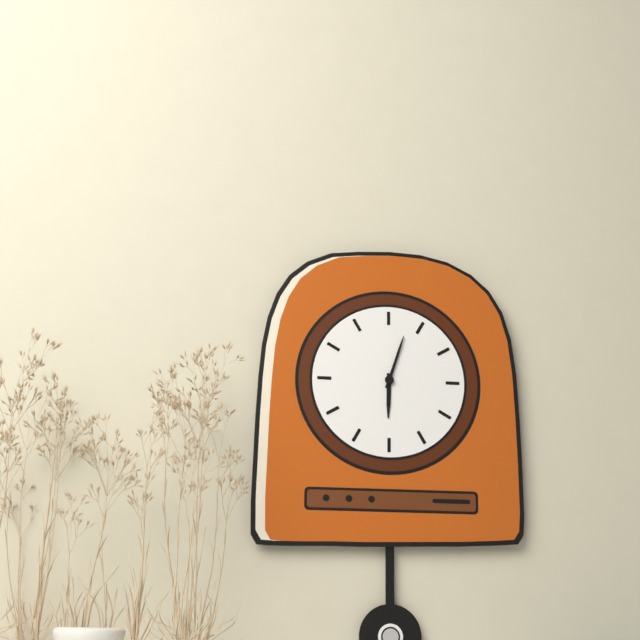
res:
6.03
